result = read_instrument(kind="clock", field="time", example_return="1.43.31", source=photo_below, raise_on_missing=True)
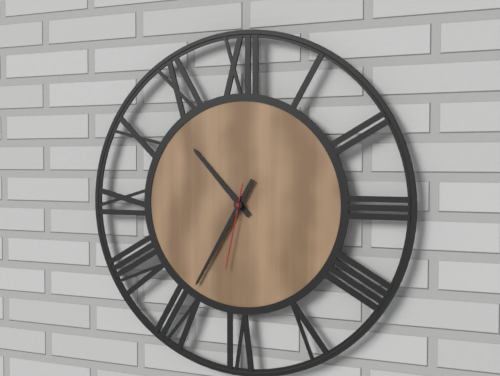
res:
10.35.32
